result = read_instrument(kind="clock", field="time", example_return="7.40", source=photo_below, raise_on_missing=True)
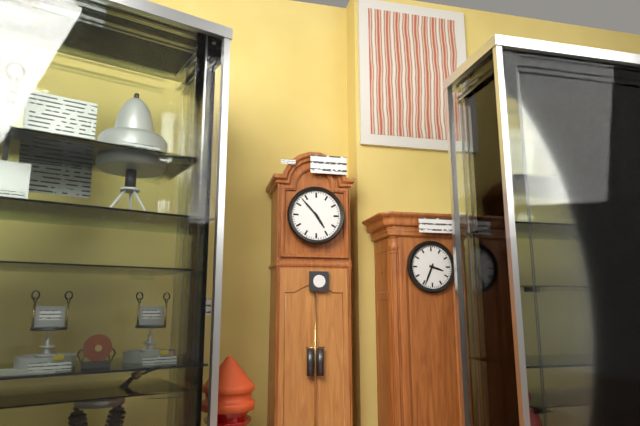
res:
4.53
